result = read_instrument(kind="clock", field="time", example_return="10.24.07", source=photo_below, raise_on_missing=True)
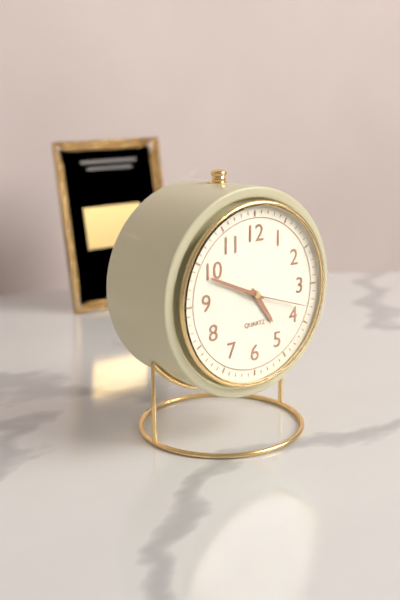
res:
4.49.18
